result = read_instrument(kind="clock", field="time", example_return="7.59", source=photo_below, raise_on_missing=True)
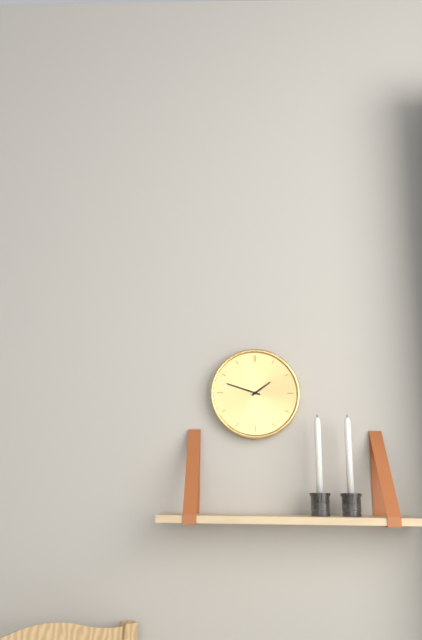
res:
1.48
